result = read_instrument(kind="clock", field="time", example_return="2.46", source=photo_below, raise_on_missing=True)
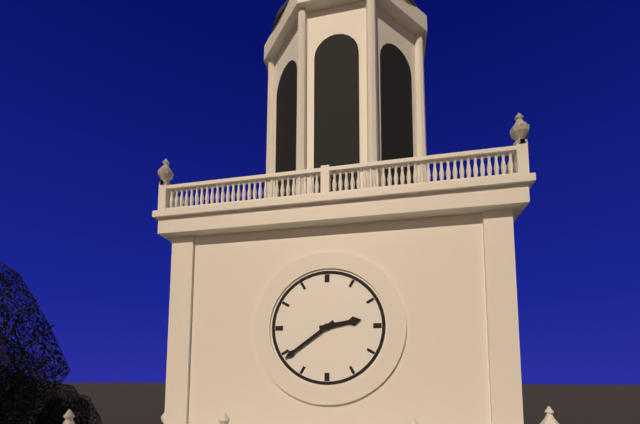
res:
2.39
